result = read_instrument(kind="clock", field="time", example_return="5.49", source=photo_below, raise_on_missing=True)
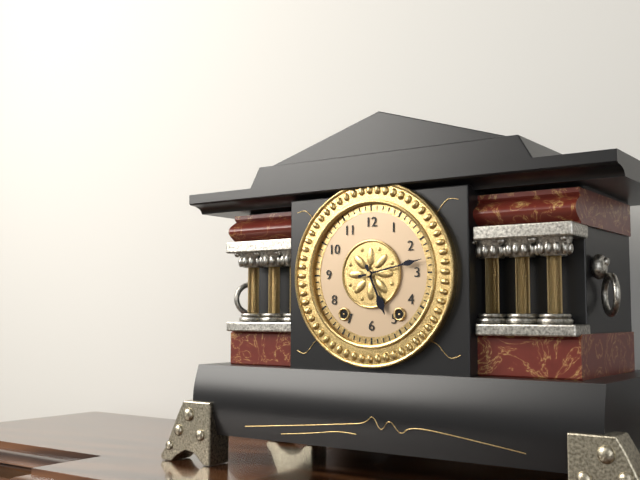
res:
5.13
